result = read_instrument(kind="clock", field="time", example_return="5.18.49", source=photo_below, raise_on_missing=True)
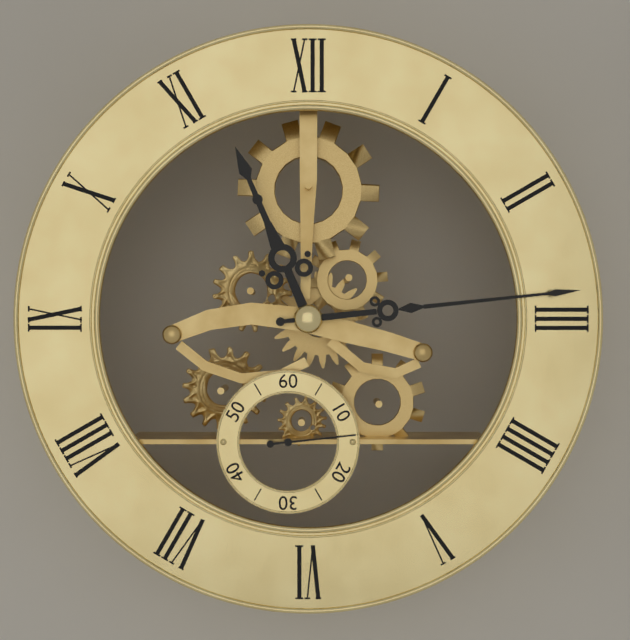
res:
11.14.14
